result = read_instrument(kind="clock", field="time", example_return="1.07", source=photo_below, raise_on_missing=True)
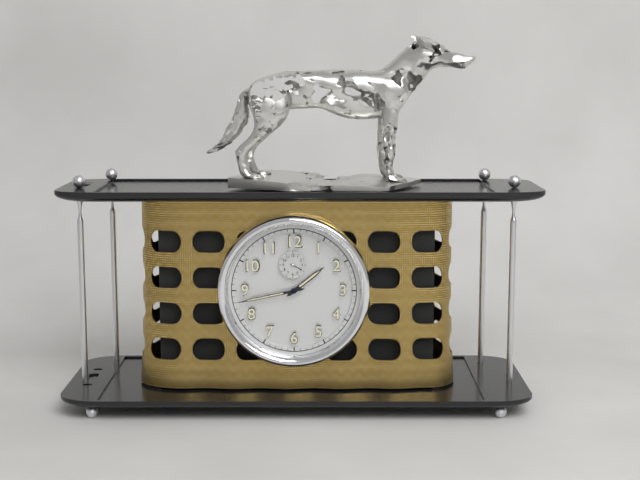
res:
1.43
